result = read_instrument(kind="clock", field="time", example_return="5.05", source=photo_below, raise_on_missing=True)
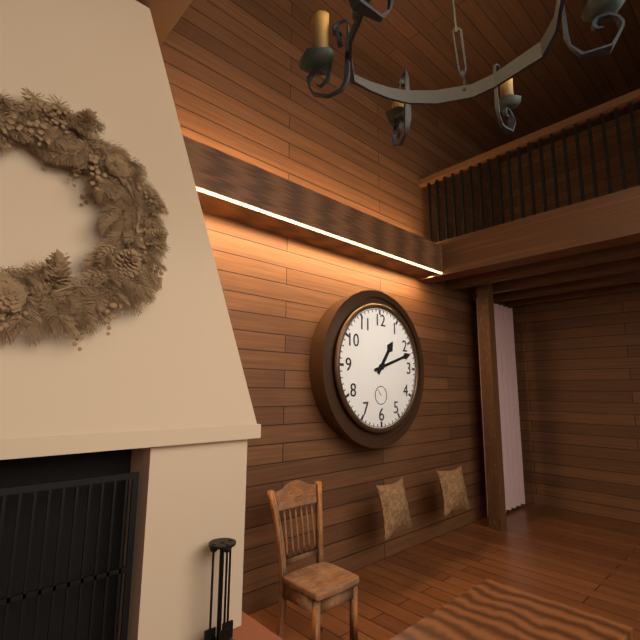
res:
1.12
